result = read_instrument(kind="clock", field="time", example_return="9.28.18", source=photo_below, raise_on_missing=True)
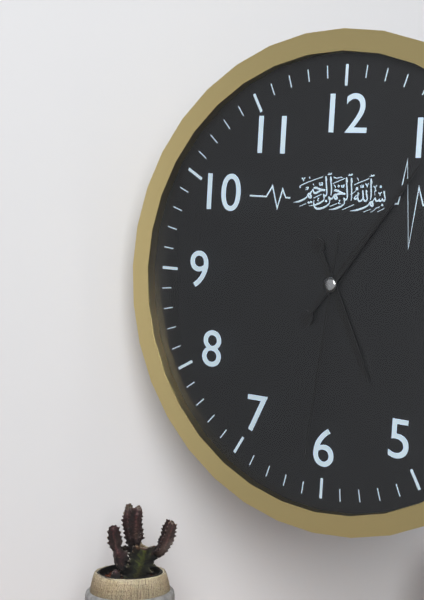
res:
5.06.31
